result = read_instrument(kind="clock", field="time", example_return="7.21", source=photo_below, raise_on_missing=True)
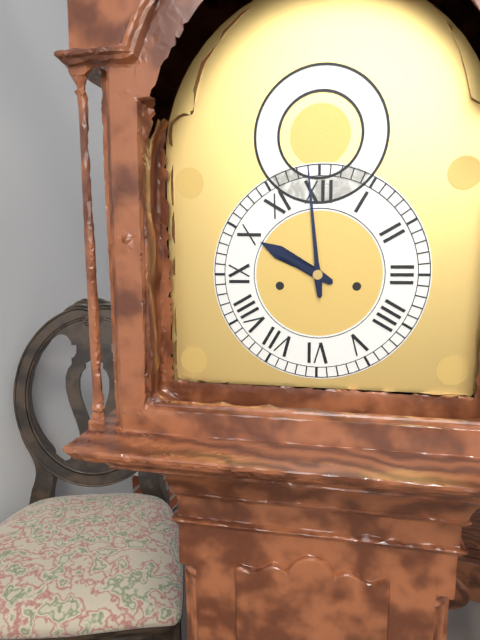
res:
9.59
